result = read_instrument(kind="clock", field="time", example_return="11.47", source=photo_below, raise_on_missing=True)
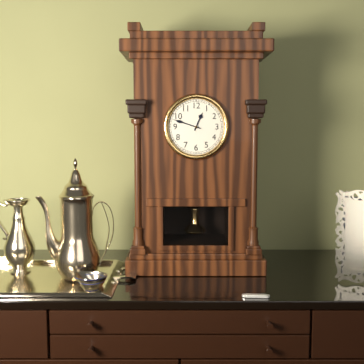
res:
12.48
